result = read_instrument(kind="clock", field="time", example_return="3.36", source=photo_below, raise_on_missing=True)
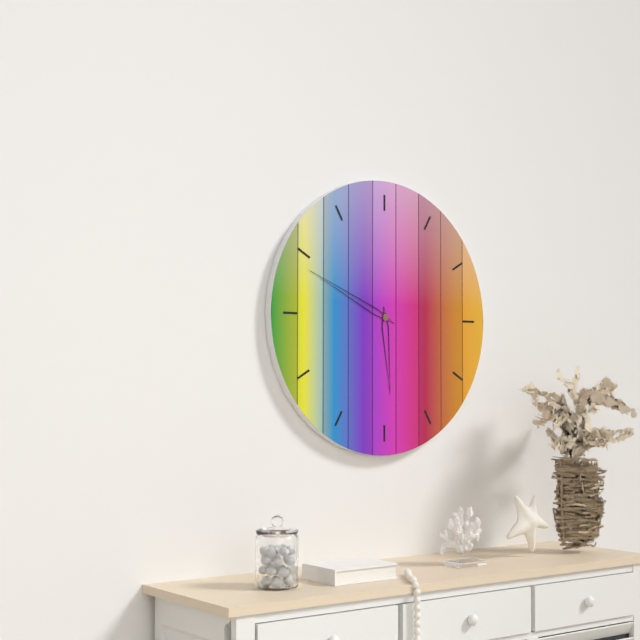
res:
5.49
